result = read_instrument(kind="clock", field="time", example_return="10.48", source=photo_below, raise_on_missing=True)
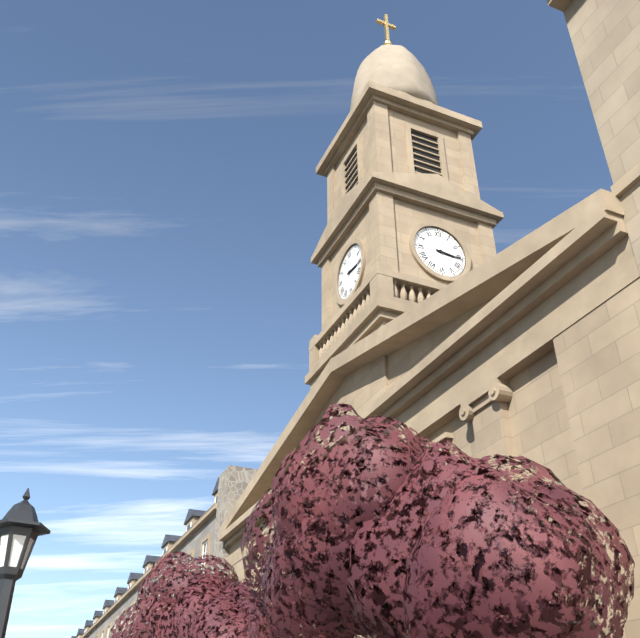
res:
3.16
